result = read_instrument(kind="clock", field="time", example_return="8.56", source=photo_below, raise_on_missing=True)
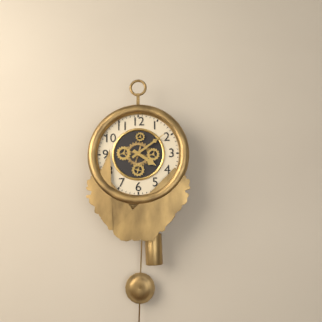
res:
4.09
